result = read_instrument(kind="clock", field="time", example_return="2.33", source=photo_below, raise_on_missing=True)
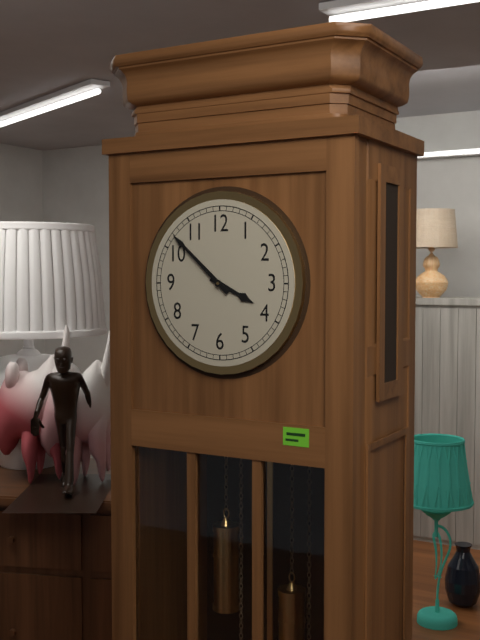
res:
3.52
